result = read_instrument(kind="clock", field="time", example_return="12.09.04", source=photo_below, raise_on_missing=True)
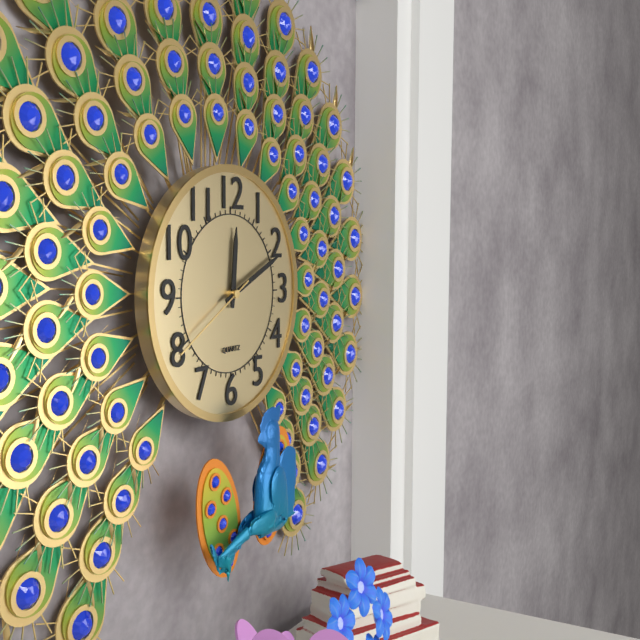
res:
12.11.40
